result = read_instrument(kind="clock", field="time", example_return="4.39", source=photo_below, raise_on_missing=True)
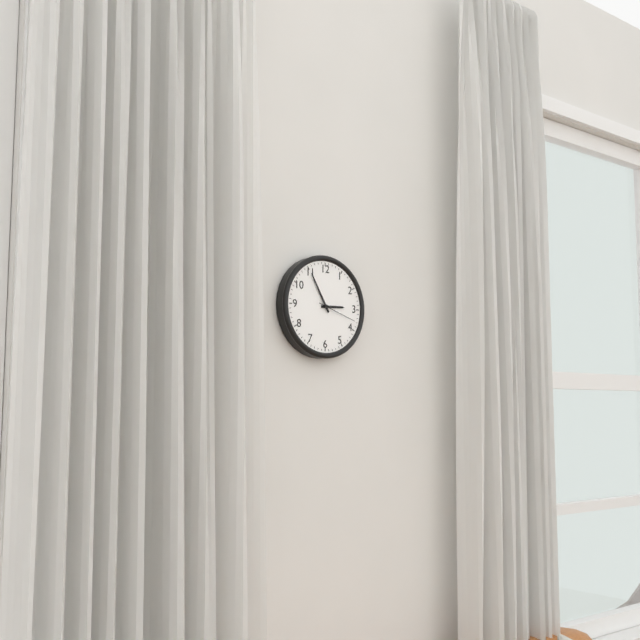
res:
2.55
